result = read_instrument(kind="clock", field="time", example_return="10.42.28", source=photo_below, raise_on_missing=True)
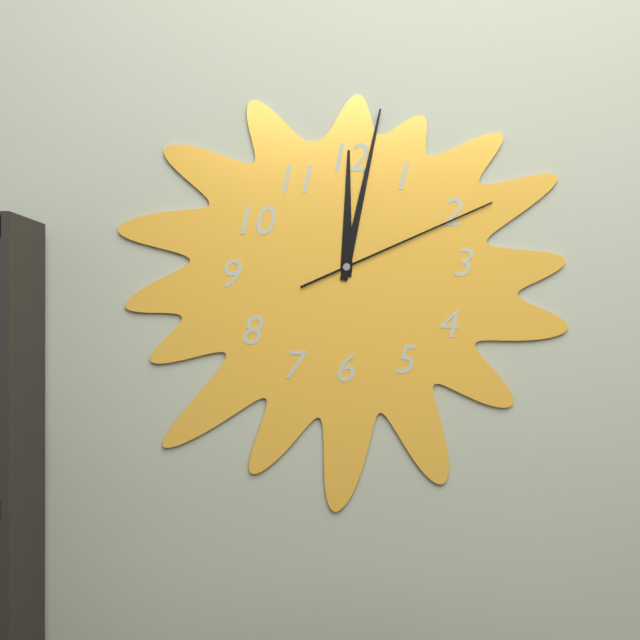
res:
12.02.11
